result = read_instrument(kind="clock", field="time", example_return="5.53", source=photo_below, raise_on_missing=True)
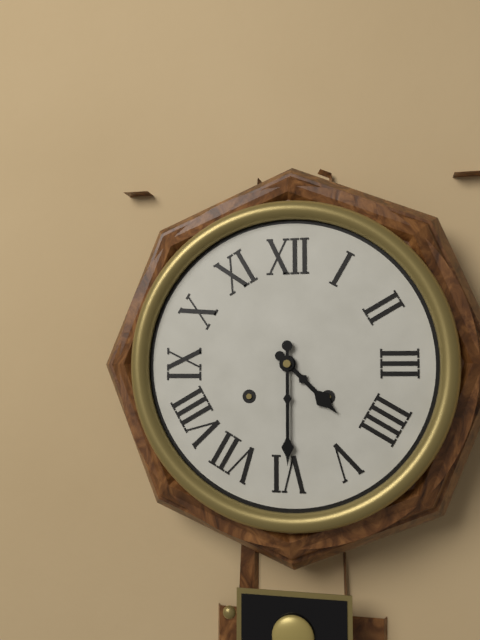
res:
4.30
